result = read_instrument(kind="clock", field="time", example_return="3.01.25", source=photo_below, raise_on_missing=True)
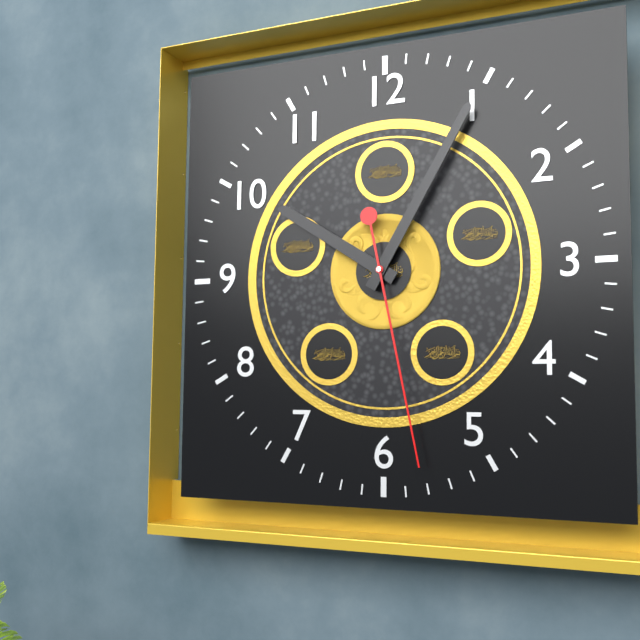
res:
10.05.28
